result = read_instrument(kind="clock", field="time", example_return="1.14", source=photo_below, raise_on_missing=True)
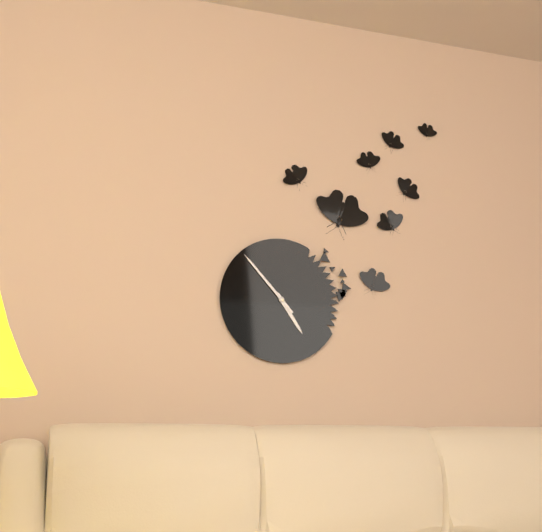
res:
4.53
